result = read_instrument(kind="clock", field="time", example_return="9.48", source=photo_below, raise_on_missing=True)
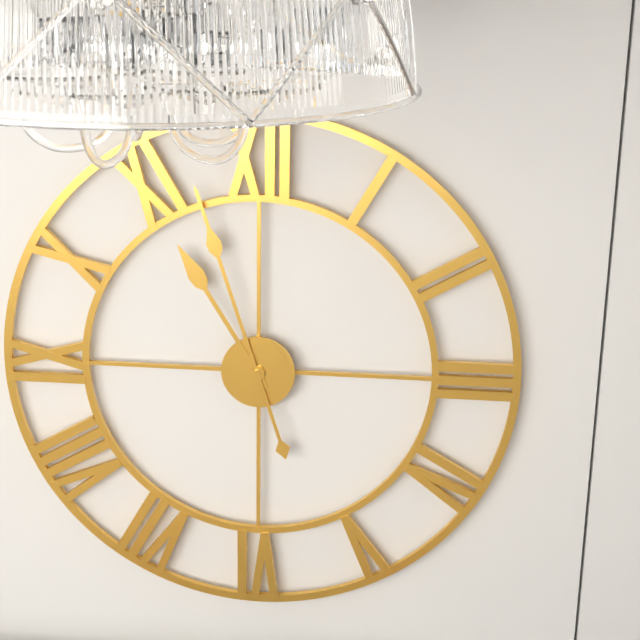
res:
10.57
